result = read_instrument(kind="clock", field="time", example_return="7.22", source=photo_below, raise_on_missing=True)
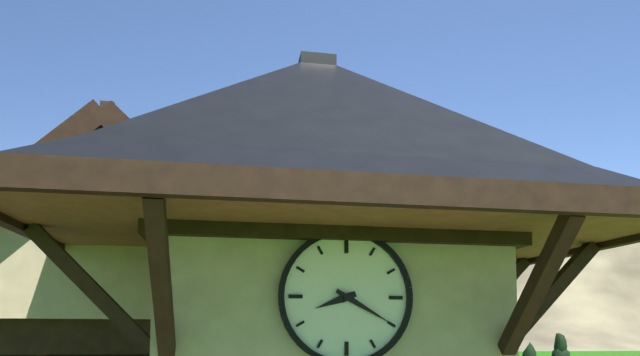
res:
8.20
